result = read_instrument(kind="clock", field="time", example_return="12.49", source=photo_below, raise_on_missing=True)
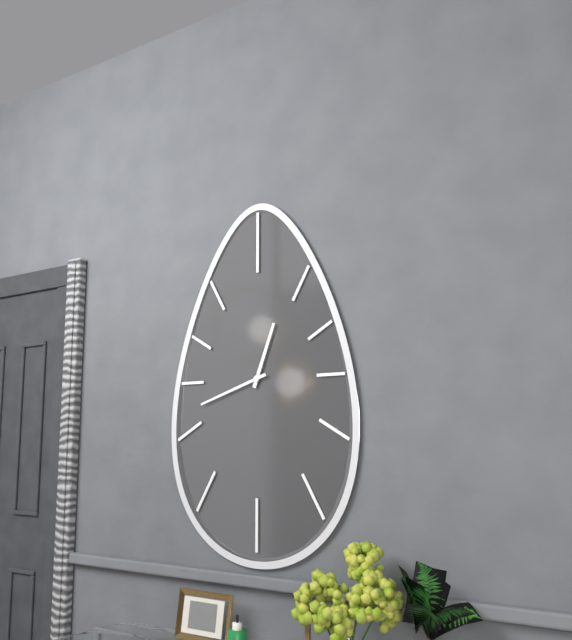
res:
12.42
